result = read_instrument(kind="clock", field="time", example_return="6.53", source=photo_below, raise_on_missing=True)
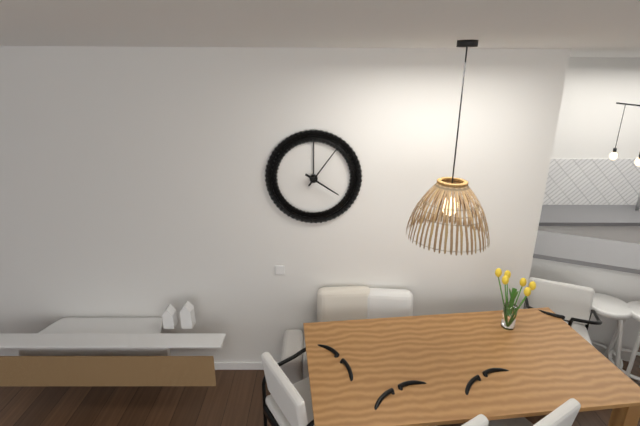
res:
4.06
